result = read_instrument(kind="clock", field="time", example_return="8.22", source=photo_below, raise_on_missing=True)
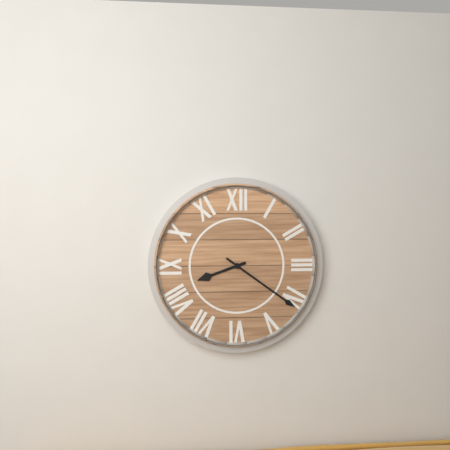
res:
8.21
